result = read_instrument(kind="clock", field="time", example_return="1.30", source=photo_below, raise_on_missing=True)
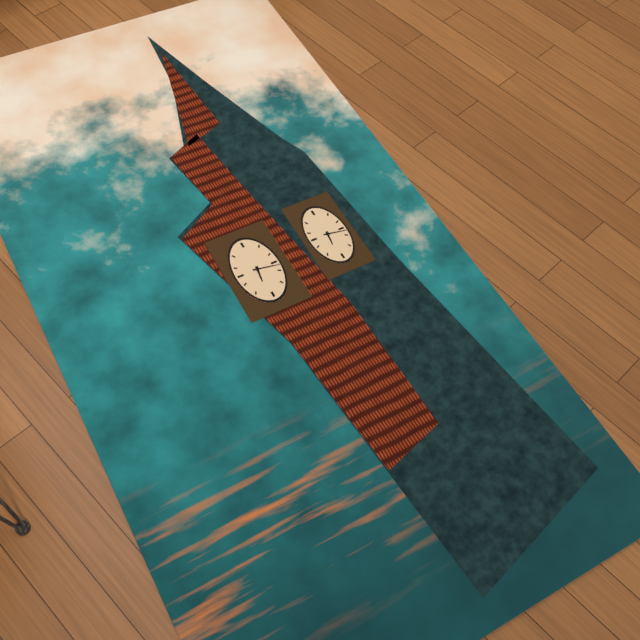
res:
6.17
